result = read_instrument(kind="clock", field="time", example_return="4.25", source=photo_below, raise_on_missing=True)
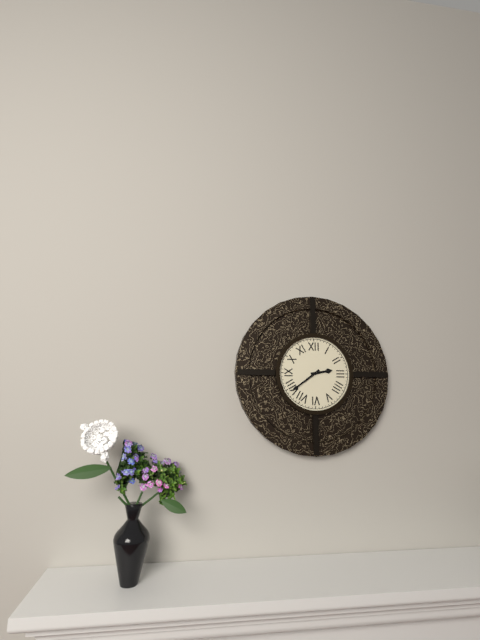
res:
2.39
